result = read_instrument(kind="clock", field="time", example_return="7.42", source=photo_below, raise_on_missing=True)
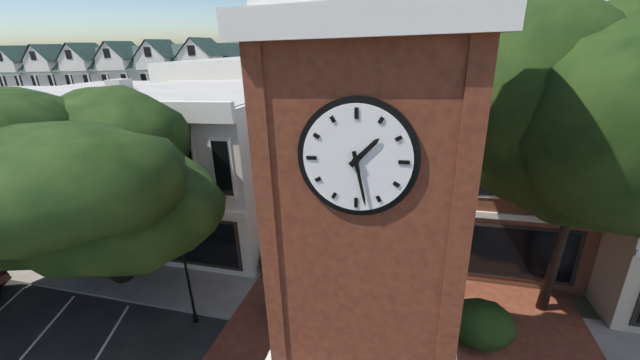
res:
1.28
